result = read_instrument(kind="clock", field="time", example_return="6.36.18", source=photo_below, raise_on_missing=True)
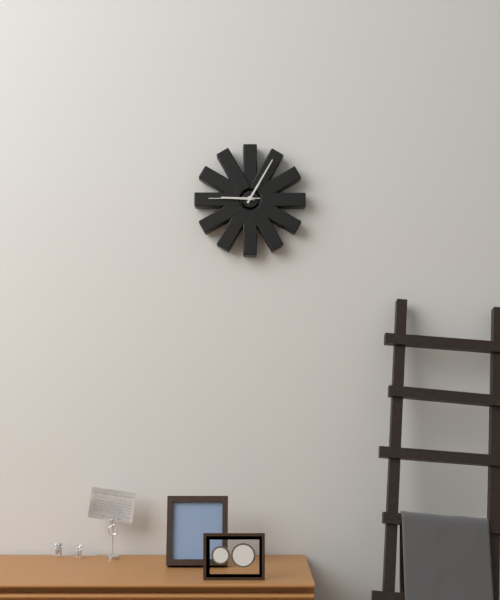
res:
9.05.45
